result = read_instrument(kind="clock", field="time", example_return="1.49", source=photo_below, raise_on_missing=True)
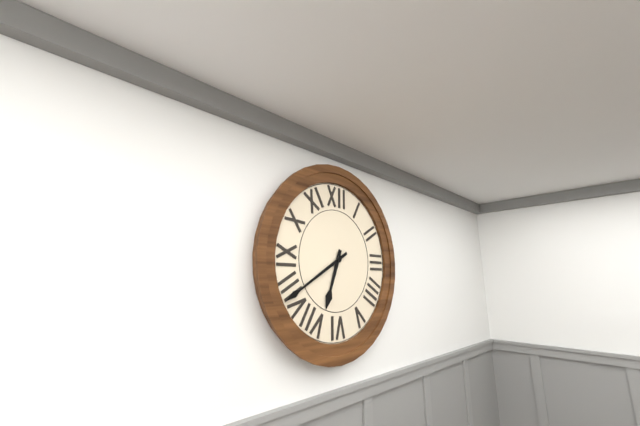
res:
6.40
